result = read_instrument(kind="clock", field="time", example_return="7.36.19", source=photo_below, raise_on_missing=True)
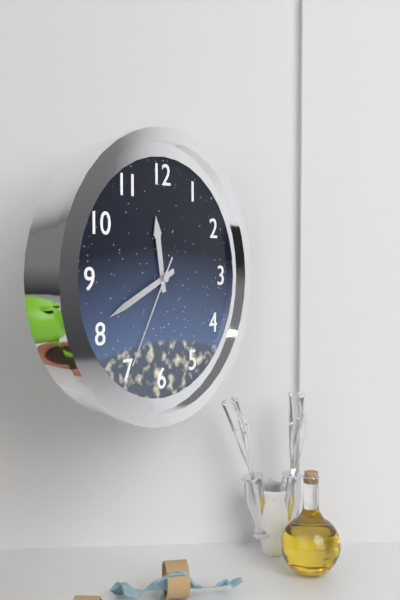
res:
11.41.35
